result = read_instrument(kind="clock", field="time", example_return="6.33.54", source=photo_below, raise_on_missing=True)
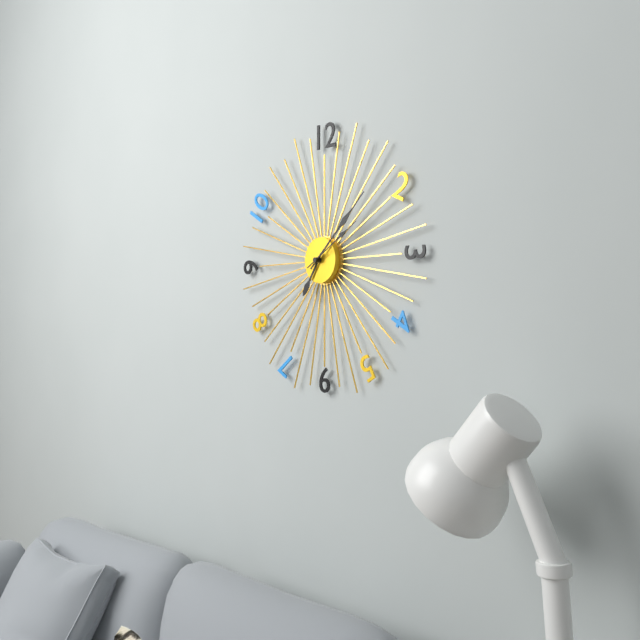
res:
7.08.10
